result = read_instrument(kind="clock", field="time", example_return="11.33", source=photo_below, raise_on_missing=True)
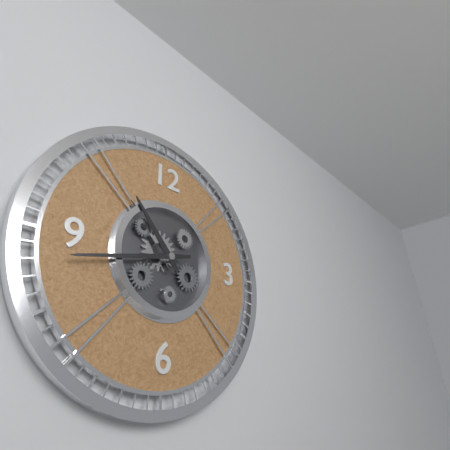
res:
10.43
